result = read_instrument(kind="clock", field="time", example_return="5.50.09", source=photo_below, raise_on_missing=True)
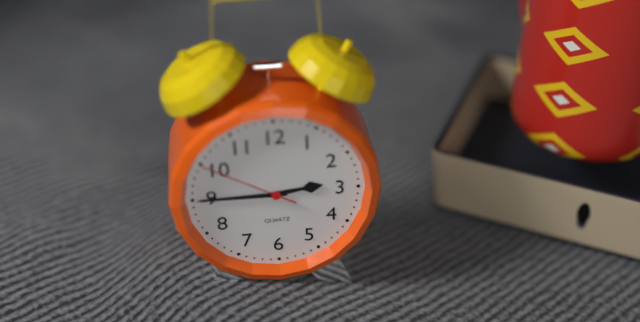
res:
2.45.50
